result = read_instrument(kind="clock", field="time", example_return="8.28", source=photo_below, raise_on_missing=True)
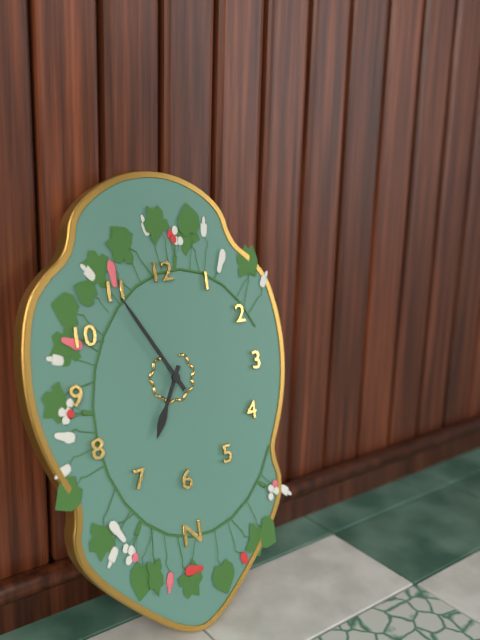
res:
6.55
